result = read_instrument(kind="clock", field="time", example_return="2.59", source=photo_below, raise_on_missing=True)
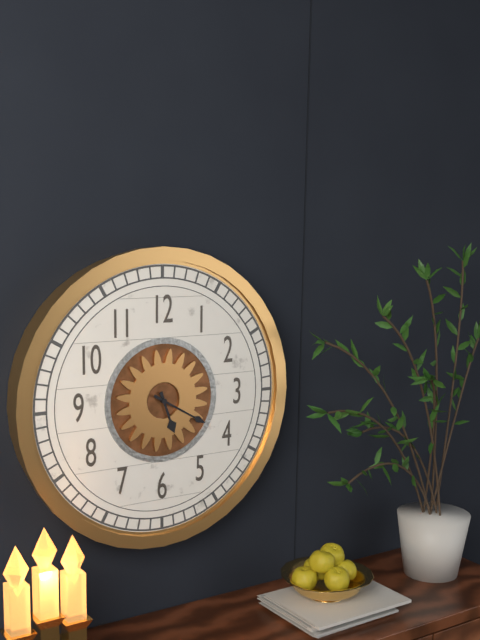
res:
5.20
